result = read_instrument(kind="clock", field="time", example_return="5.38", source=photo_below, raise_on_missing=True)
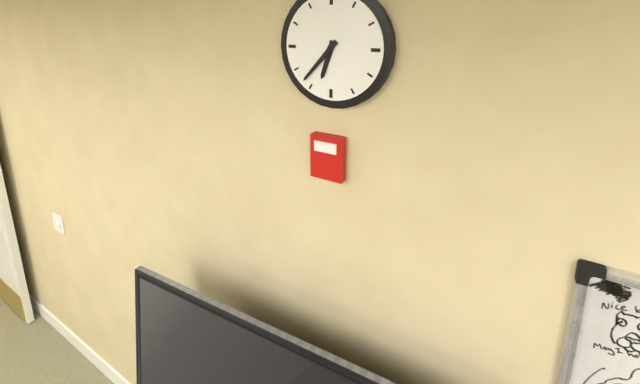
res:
6.37
